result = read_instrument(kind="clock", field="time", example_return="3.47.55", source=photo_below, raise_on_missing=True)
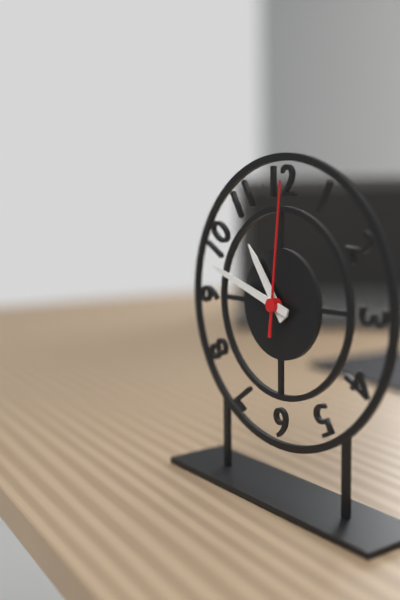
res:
10.48.01
